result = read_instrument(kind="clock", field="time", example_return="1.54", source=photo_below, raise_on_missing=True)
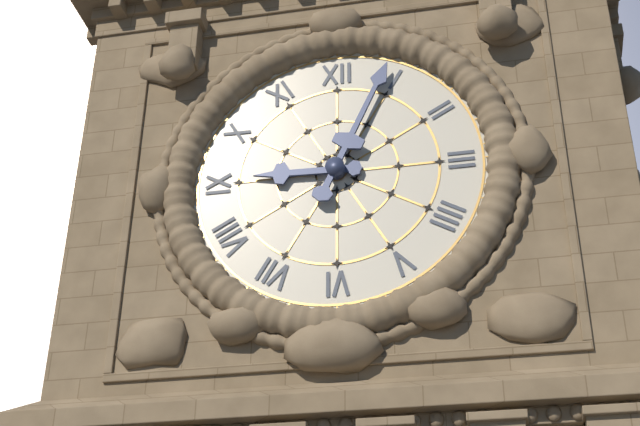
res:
9.04
